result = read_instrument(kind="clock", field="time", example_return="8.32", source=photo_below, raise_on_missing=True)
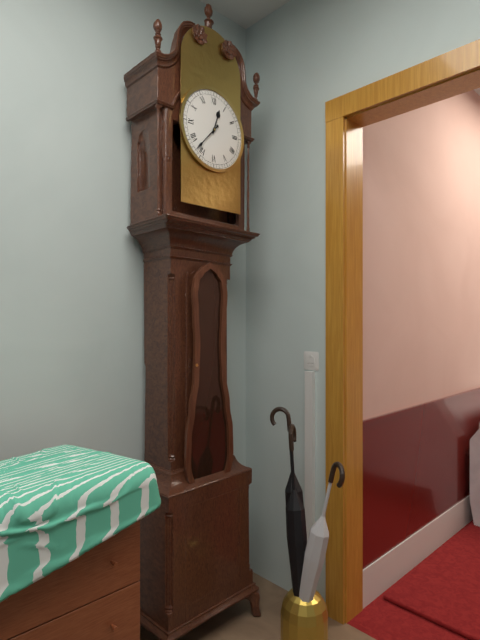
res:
12.37
